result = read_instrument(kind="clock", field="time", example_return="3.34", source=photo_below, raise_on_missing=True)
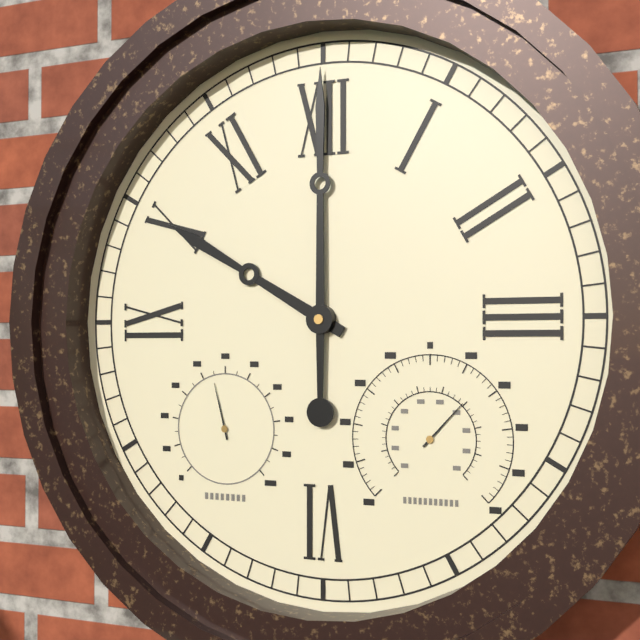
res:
10.00
